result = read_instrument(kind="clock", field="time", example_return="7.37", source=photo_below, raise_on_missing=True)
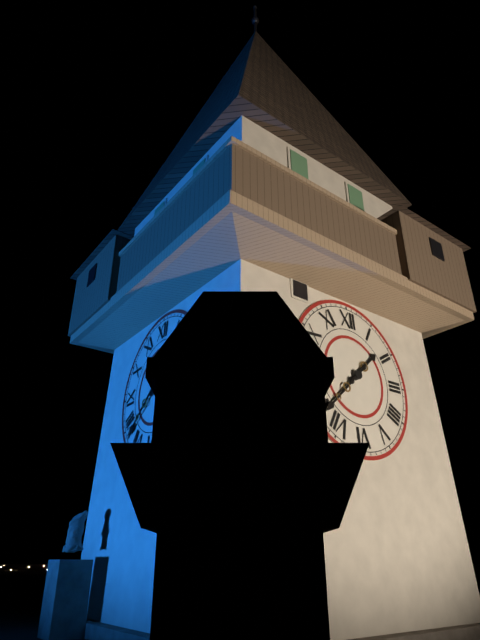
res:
1.38
